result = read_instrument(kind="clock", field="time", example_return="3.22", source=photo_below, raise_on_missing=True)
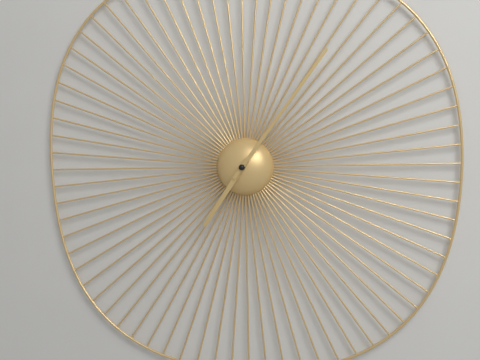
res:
7.06
